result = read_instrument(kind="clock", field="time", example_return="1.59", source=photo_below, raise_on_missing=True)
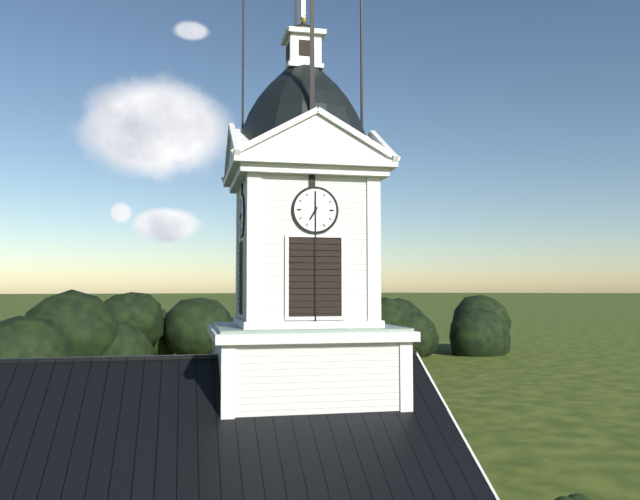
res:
7.00
